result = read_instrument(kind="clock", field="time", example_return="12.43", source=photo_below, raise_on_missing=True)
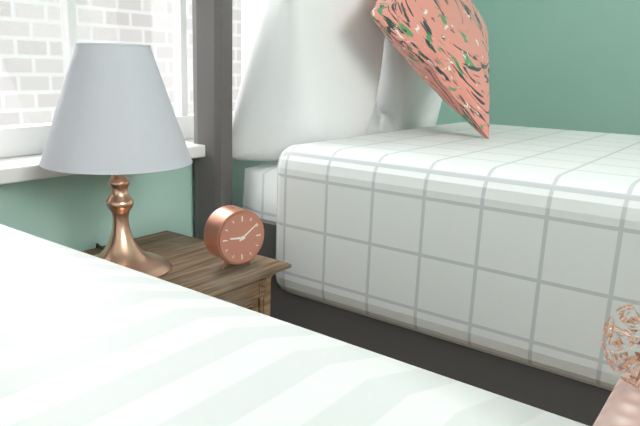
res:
9.09
